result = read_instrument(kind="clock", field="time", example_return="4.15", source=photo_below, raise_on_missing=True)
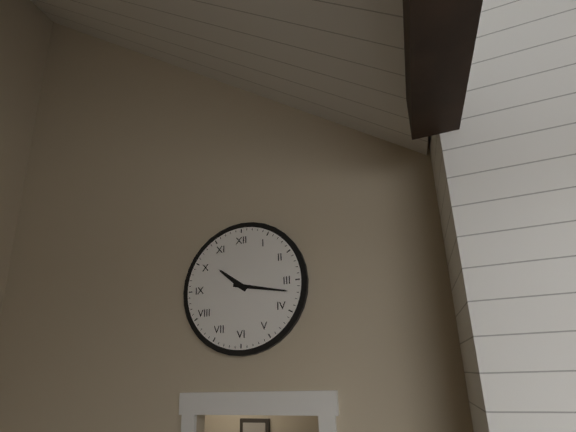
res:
10.17
